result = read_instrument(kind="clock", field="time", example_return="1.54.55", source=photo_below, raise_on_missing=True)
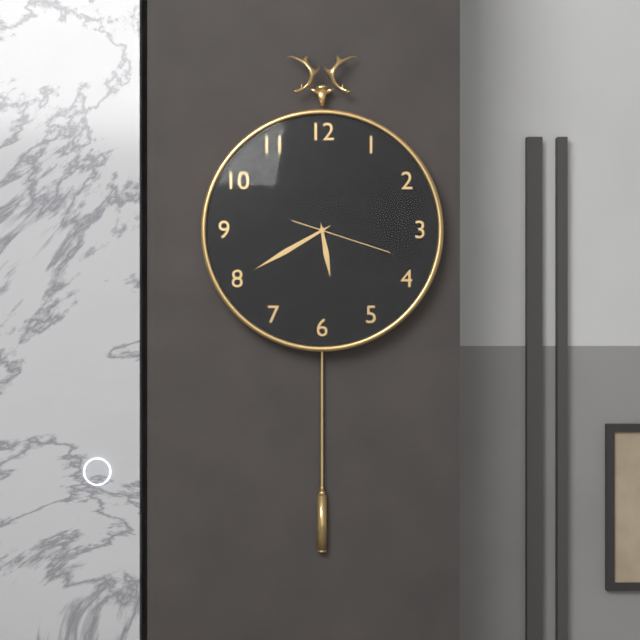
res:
5.40.18
